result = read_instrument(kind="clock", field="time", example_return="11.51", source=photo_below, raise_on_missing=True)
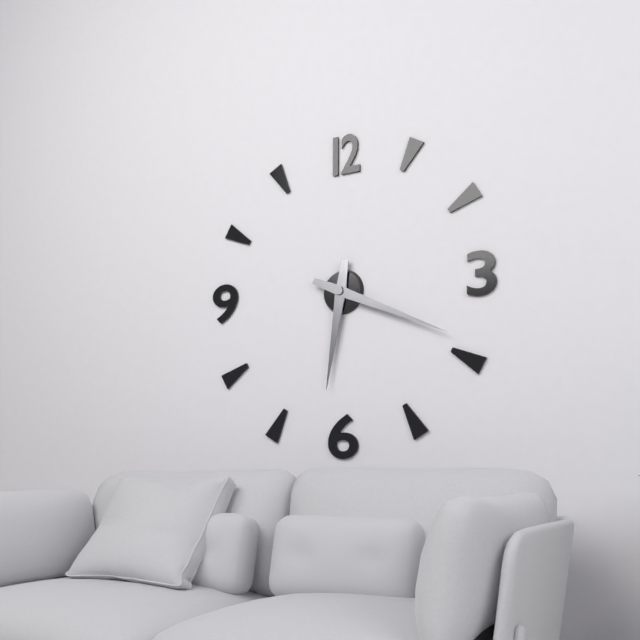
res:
6.19
